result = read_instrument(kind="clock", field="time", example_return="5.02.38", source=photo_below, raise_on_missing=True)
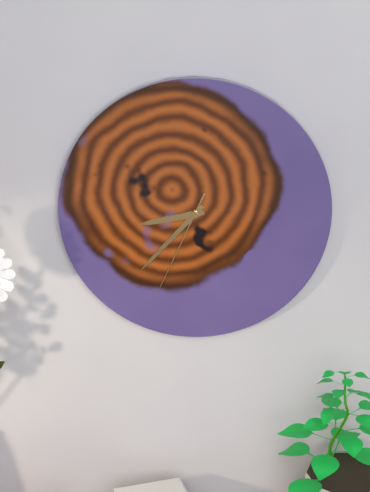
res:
8.37.34
